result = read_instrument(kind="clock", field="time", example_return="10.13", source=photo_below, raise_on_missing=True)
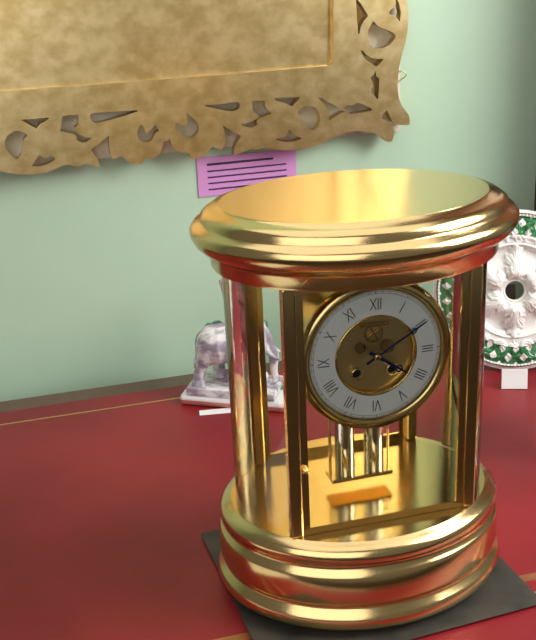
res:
4.10
